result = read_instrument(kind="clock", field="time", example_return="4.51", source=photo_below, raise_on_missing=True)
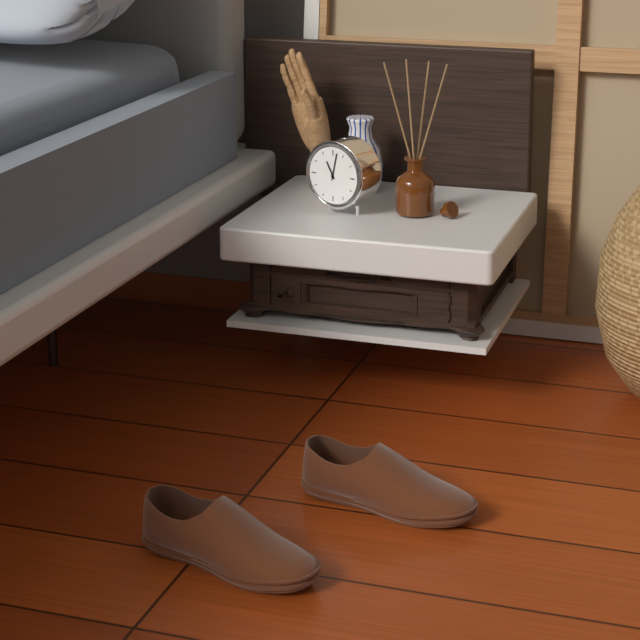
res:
11.02
